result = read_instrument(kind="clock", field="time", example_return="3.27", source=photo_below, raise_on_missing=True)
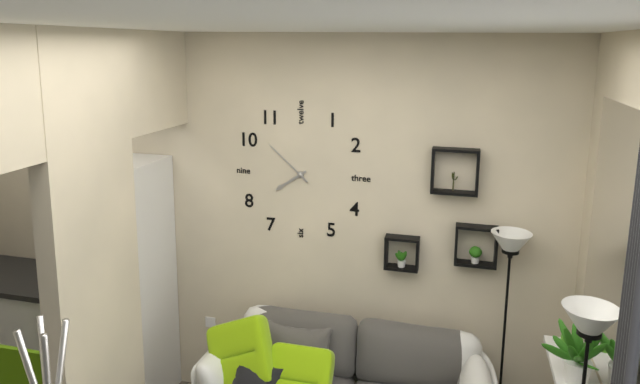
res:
7.52
